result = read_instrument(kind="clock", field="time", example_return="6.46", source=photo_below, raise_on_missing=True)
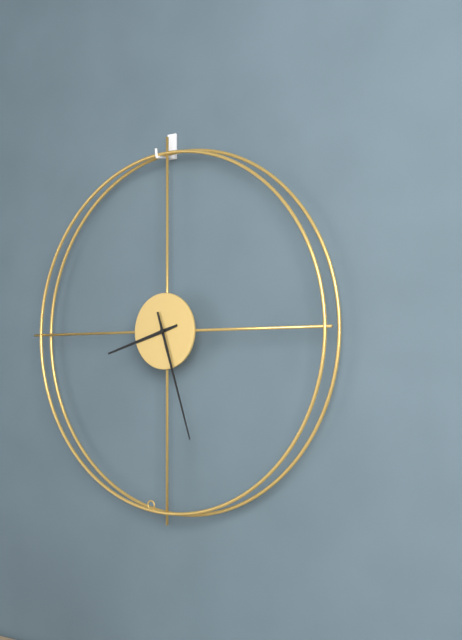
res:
8.27
